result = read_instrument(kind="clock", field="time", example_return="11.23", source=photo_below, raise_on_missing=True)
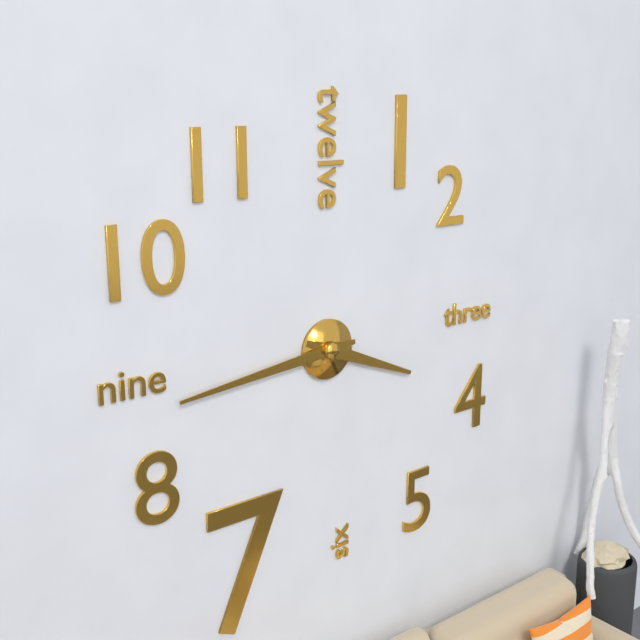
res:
3.44
